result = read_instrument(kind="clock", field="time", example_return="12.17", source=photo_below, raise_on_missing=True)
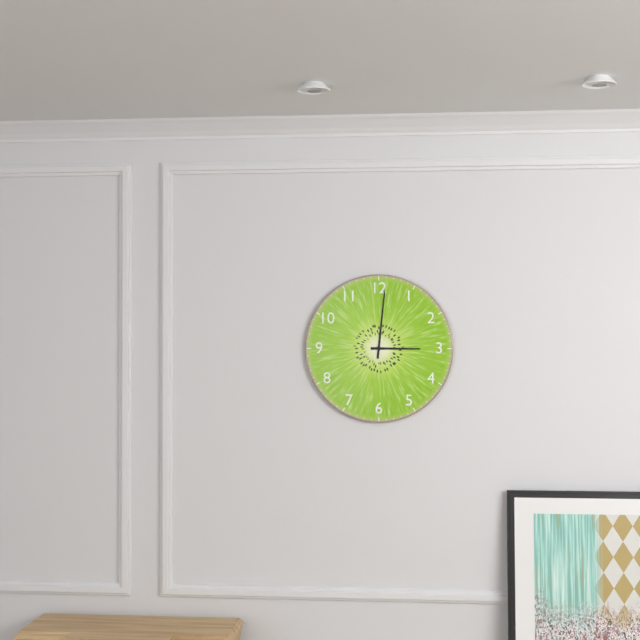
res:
3.01
